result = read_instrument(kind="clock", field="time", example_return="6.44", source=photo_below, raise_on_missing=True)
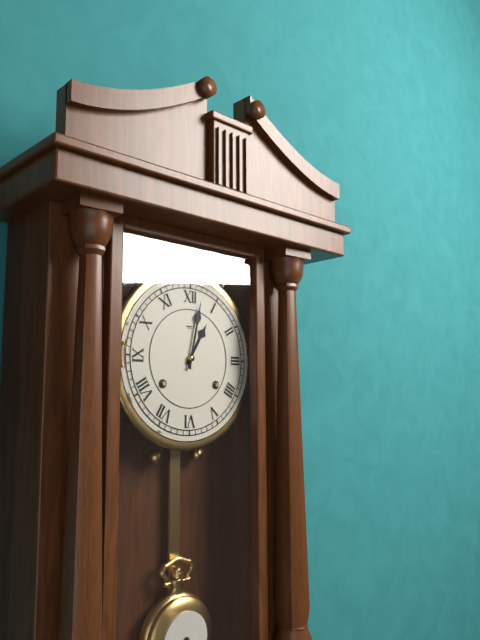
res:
1.02
